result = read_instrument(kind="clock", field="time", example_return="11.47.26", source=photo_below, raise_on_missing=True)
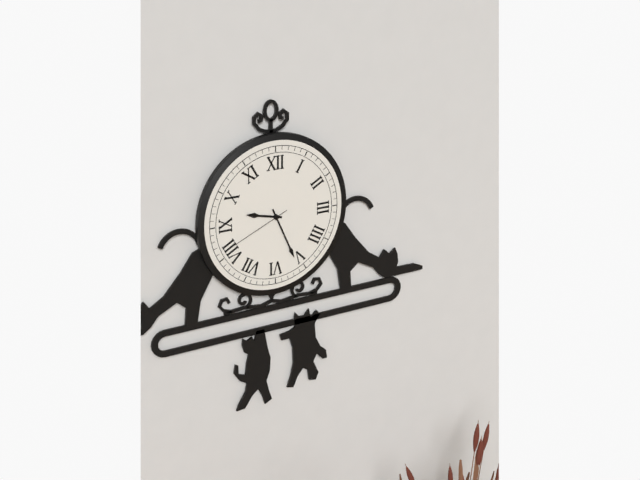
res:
9.26.41
